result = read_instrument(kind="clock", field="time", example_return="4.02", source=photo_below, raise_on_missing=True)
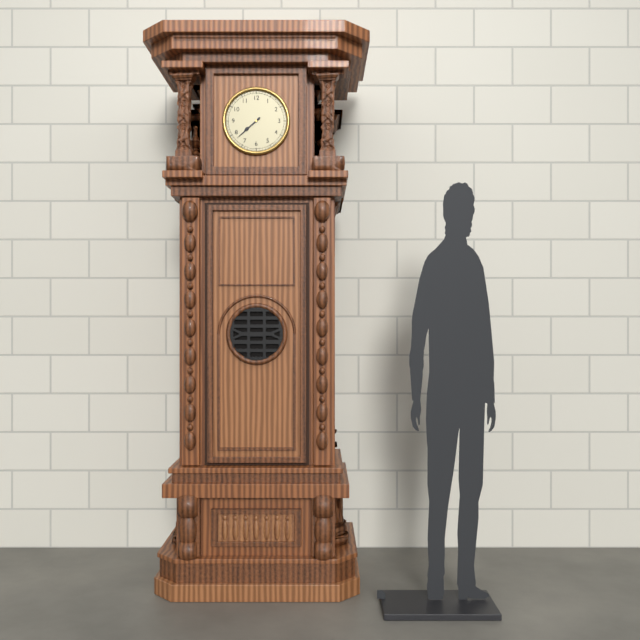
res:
7.38
